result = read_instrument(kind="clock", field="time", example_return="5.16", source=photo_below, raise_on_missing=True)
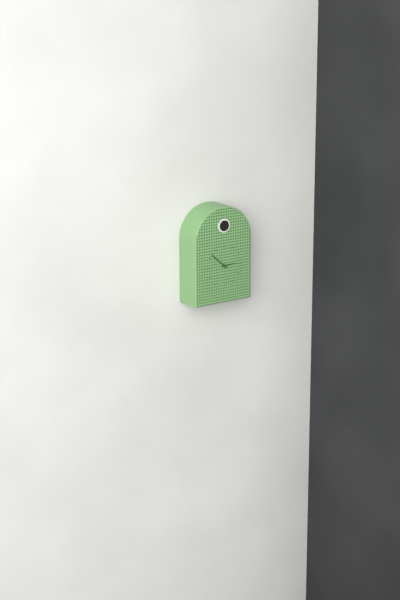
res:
2.52
